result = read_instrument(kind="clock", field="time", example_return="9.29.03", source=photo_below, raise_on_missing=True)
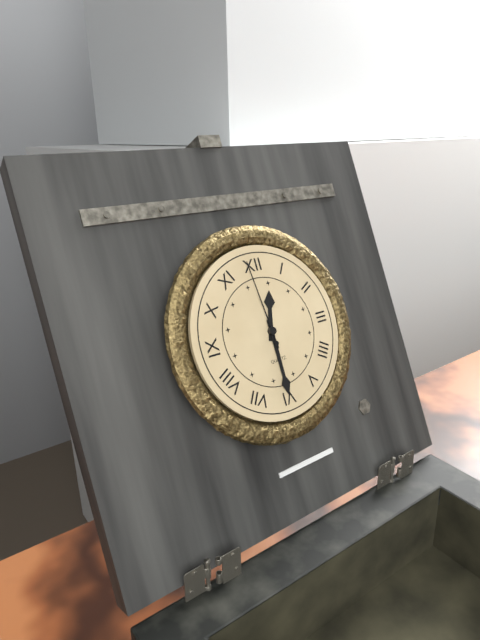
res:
12.30.59
